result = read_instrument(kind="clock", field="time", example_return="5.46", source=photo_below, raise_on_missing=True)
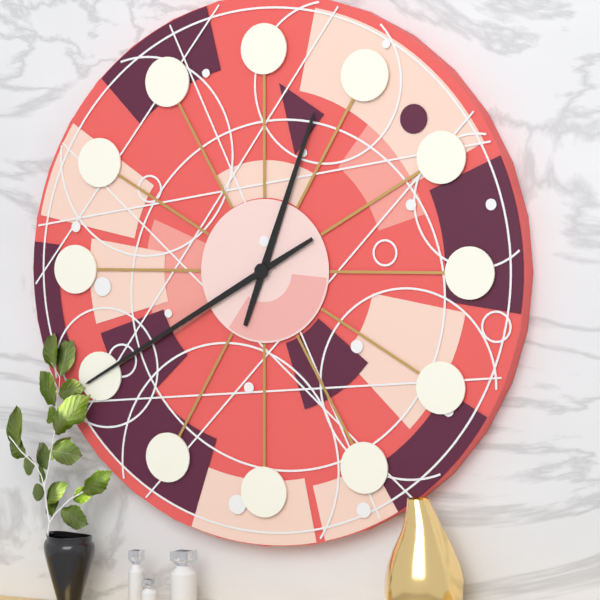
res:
12.40
